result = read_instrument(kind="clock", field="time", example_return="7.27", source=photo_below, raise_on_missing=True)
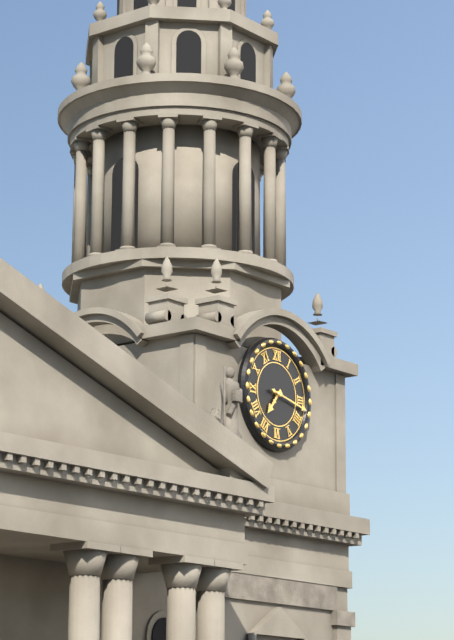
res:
7.17
